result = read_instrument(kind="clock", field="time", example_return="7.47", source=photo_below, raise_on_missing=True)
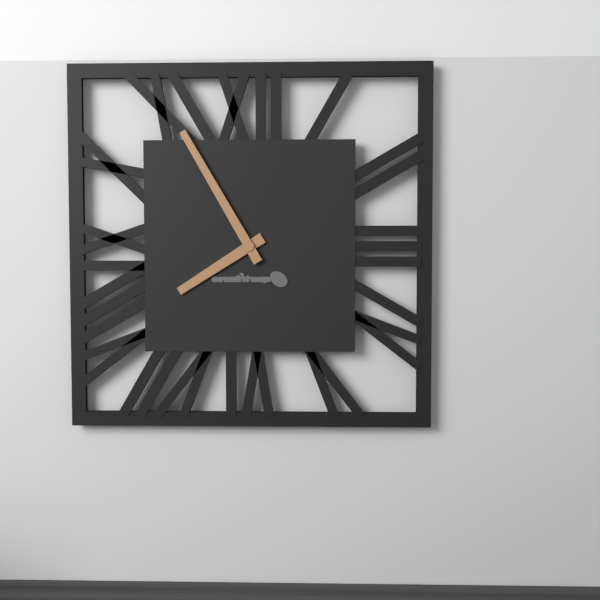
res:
7.55
